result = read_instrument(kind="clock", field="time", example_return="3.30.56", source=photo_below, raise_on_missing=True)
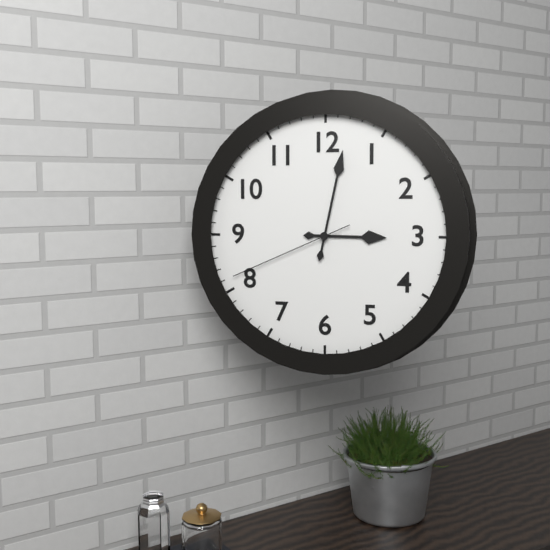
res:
3.02.41
